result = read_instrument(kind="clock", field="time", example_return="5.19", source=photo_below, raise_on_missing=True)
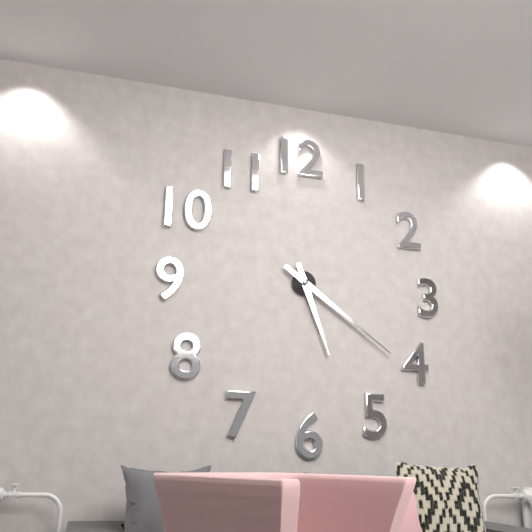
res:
5.21
